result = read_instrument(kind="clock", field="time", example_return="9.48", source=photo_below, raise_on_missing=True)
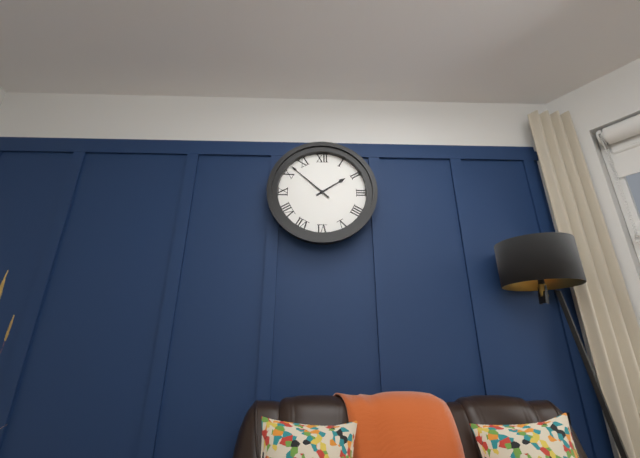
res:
1.52
